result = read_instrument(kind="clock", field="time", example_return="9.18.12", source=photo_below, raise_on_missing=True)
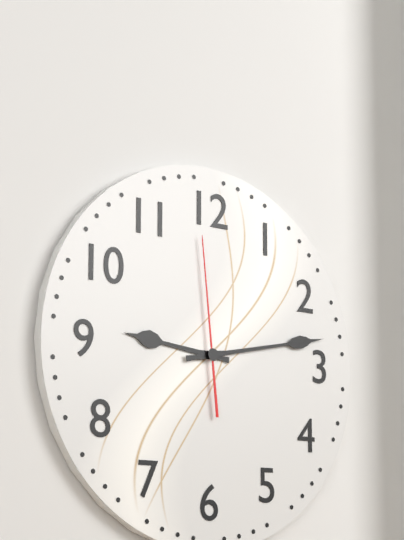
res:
9.13.59
